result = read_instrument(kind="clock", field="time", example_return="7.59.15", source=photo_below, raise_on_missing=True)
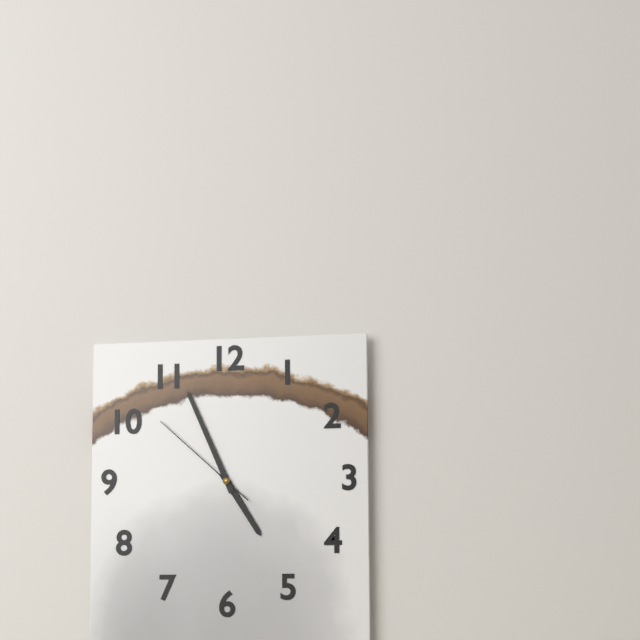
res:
4.56.52
